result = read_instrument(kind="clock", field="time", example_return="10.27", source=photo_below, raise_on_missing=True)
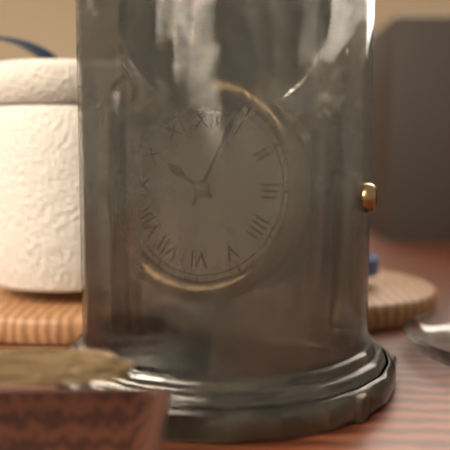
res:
10.04
